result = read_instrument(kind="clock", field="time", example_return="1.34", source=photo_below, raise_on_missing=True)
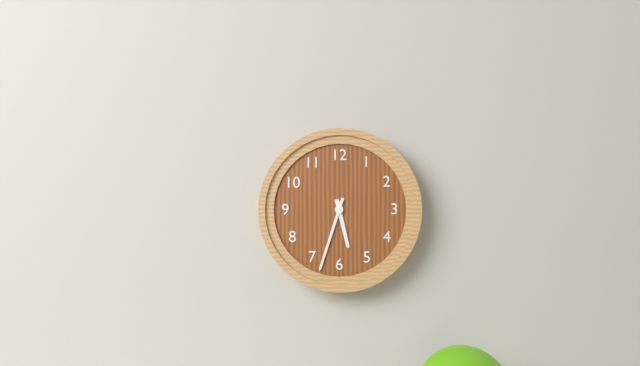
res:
5.33
